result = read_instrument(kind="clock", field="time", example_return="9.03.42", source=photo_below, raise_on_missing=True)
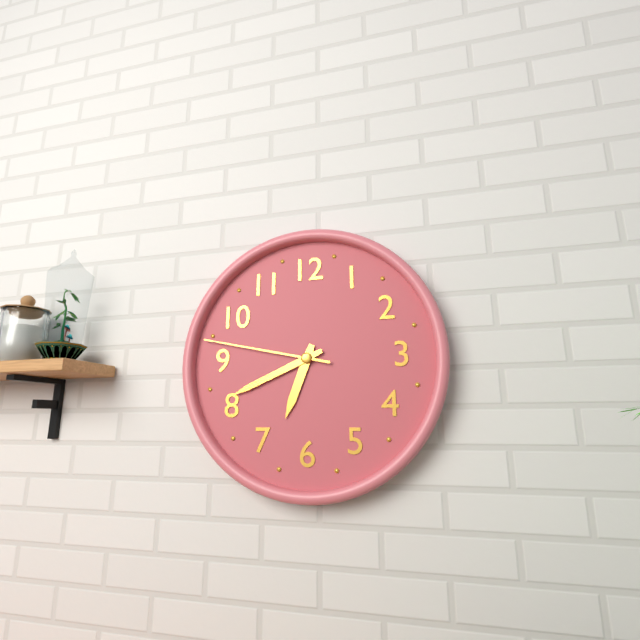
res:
6.41.47
